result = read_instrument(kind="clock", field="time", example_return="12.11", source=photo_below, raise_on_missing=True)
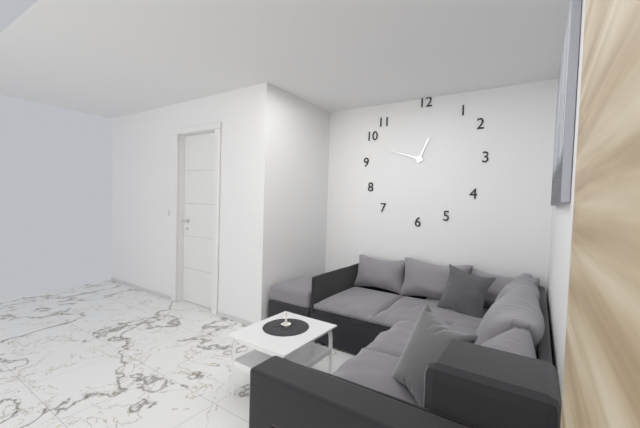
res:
12.48
